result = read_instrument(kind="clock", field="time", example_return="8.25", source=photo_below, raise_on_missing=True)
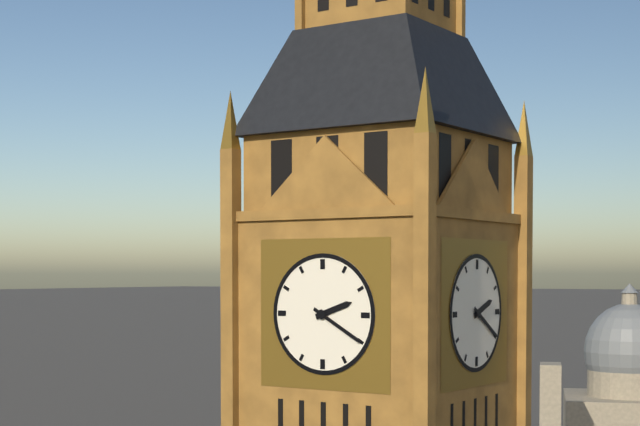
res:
2.20
